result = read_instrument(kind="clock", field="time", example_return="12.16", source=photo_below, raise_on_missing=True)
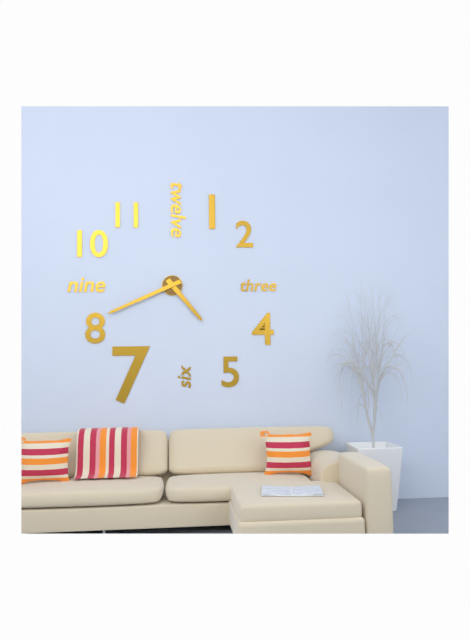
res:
4.41
